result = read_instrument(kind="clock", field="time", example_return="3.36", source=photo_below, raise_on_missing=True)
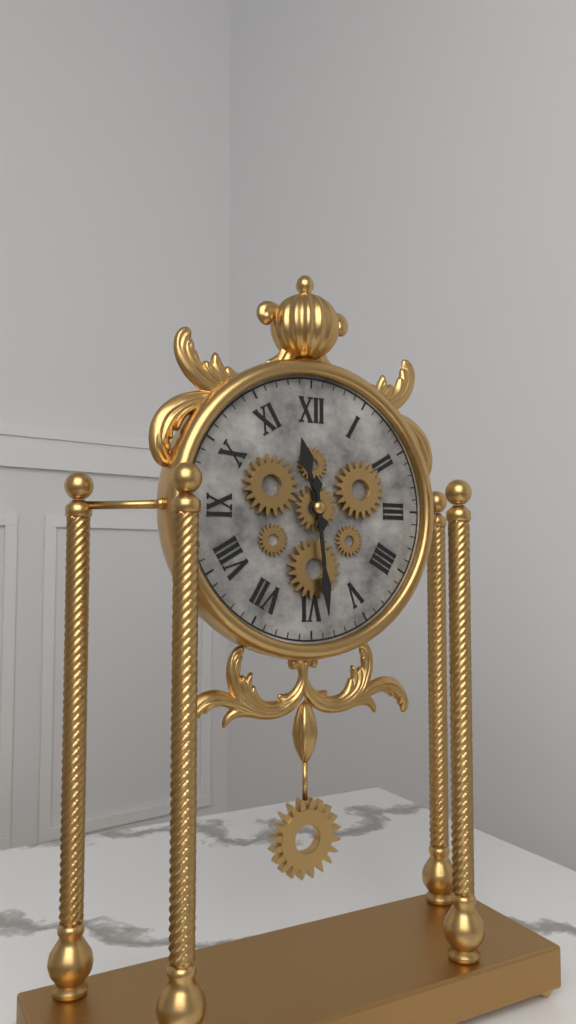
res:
11.29
